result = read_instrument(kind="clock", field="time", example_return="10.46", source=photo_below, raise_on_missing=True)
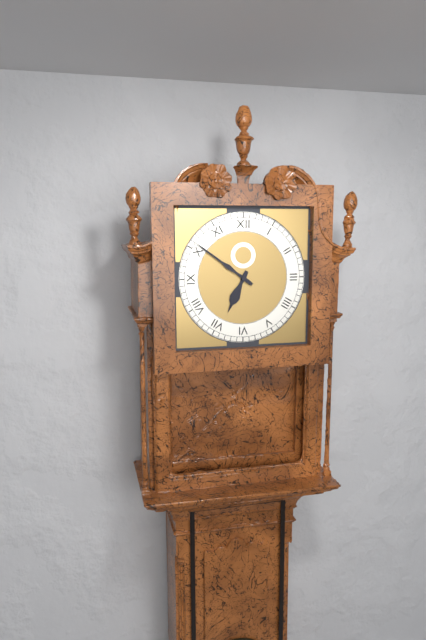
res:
6.51
